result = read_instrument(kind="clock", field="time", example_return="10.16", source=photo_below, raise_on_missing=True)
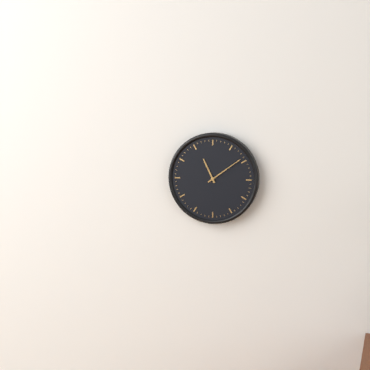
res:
11.09
